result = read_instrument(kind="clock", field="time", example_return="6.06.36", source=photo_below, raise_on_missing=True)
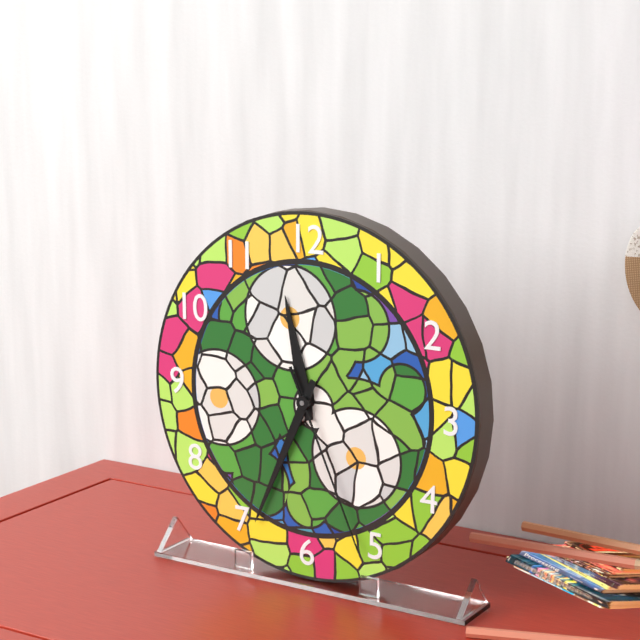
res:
11.34.26
